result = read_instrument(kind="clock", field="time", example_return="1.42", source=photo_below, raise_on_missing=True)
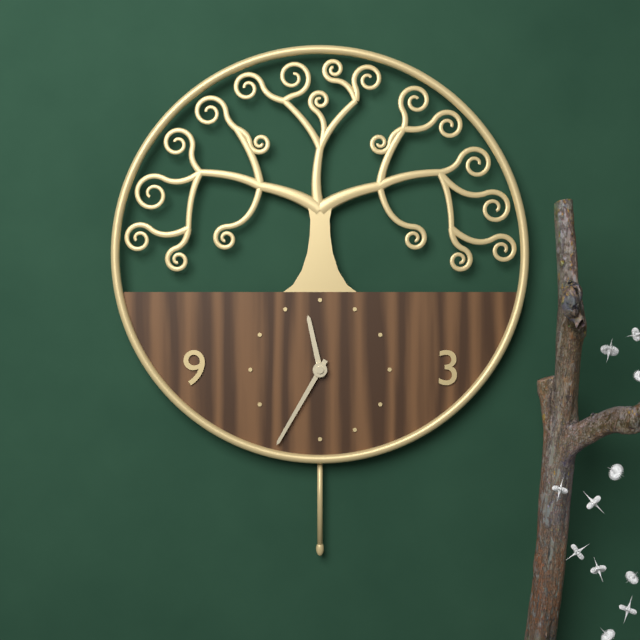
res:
11.35
